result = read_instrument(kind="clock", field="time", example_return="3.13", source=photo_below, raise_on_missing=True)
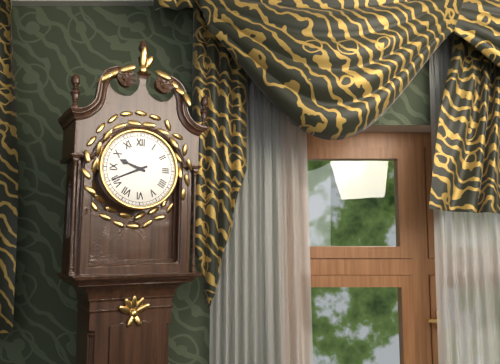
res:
9.41
